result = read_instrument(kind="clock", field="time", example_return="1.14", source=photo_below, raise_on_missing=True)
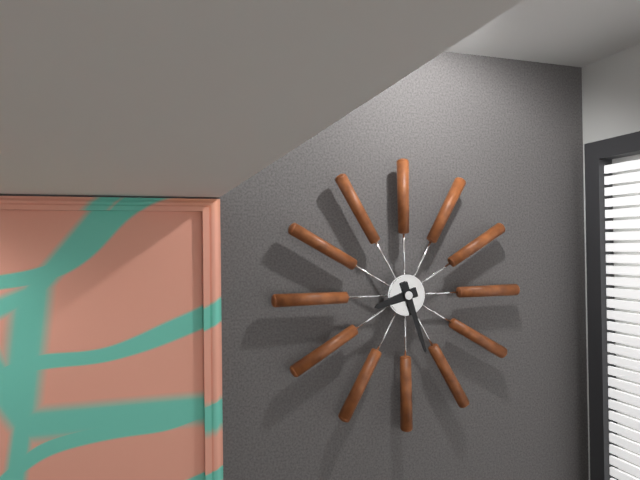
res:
8.27
